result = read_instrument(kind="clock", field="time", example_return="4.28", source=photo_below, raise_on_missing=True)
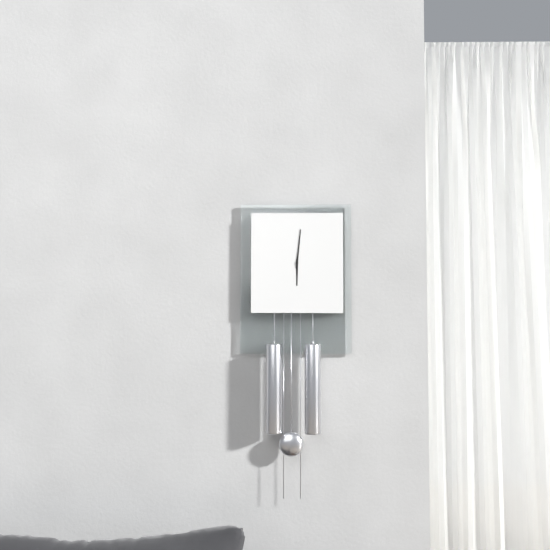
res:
6.01
